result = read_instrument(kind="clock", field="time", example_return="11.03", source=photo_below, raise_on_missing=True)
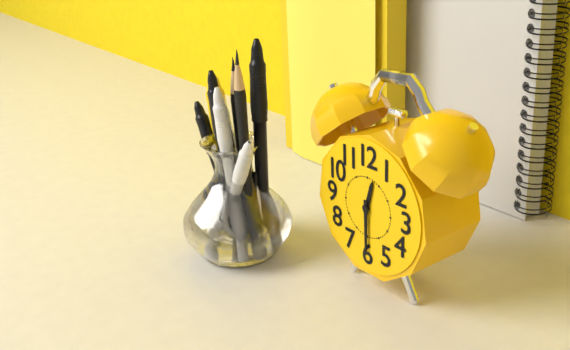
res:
12.30
